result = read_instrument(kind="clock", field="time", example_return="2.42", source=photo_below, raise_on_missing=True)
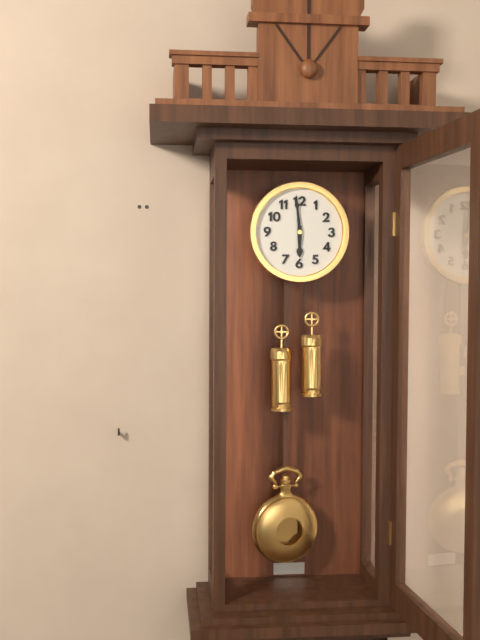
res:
5.59
